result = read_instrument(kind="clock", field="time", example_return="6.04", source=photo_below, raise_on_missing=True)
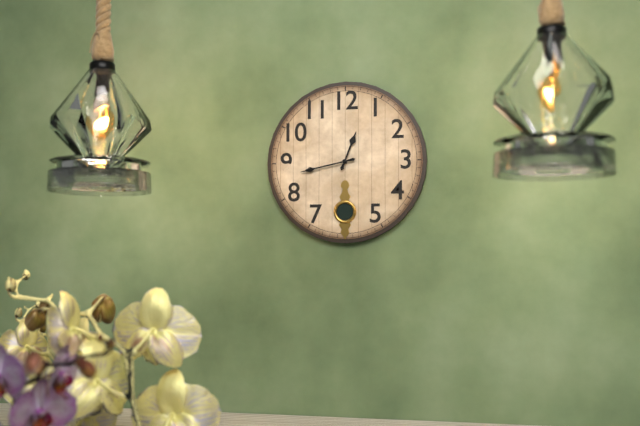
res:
12.43
